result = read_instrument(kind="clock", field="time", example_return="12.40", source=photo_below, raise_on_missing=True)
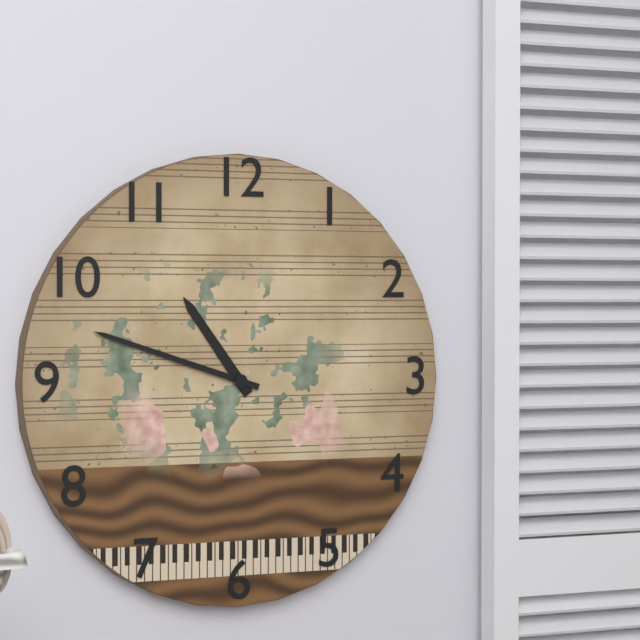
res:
10.48
